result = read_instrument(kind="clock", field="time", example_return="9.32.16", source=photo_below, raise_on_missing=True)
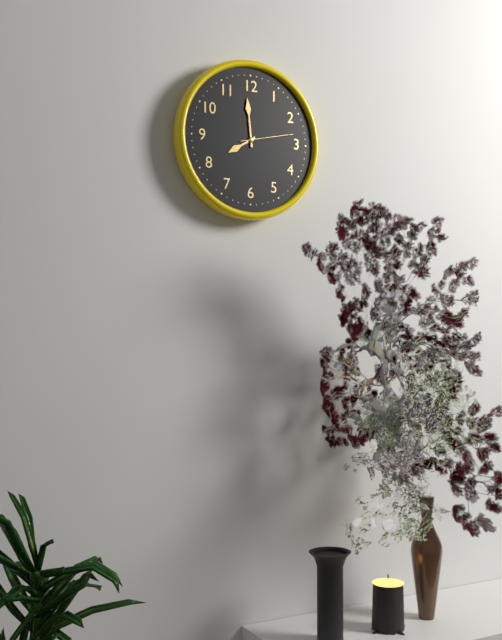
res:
7.59.13
